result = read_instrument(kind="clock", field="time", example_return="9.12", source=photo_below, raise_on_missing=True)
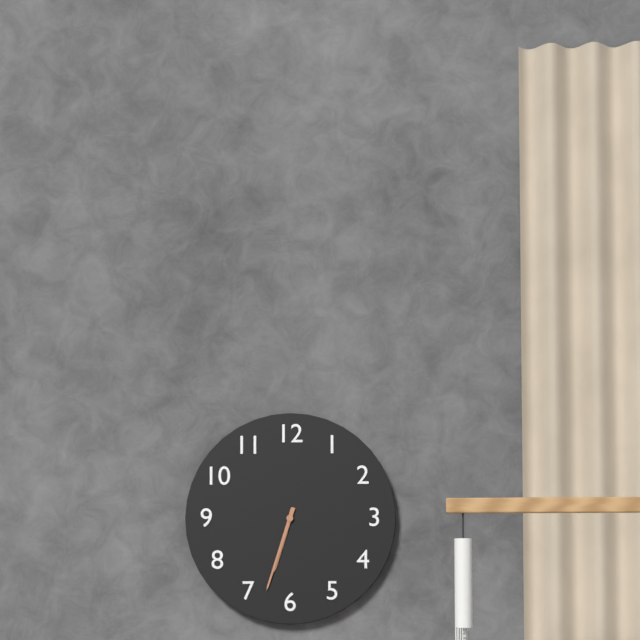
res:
6.33
